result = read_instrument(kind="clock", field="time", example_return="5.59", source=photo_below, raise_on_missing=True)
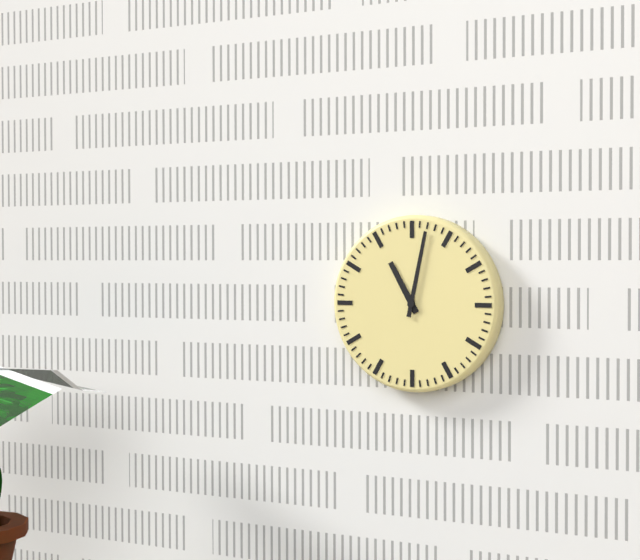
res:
11.02
